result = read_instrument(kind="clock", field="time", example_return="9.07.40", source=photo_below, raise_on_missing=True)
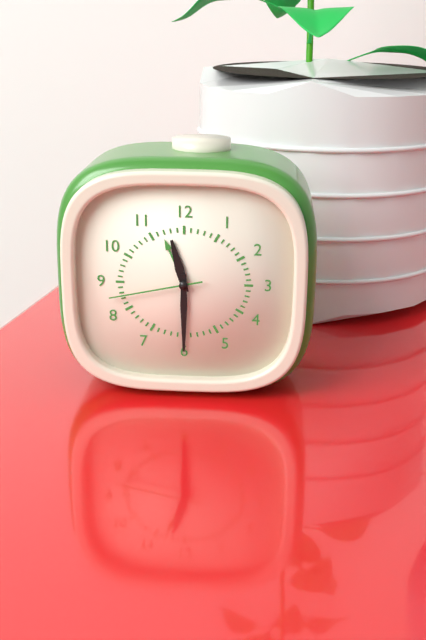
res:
11.30.43
